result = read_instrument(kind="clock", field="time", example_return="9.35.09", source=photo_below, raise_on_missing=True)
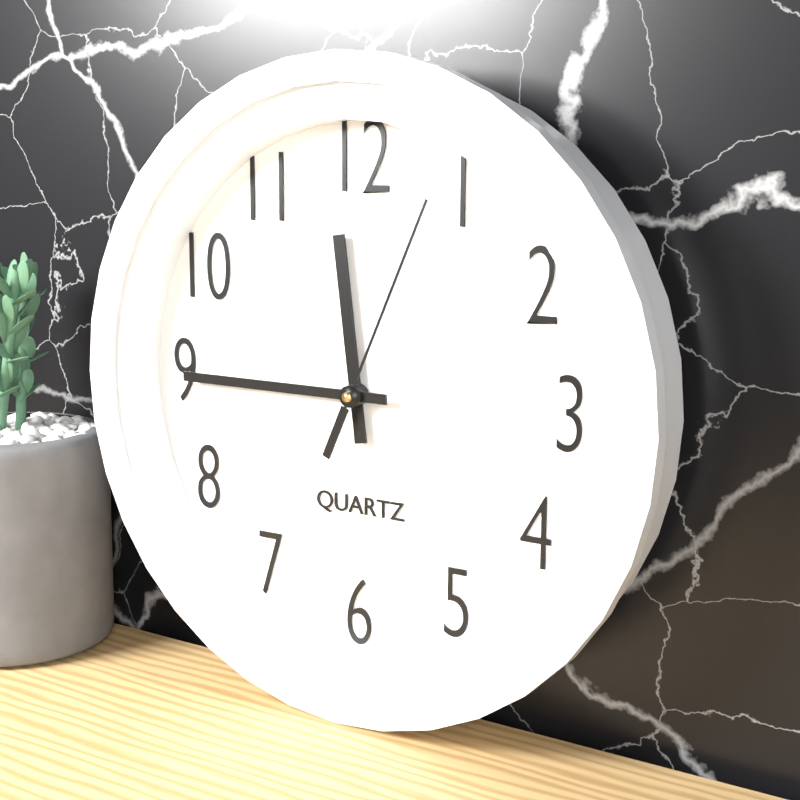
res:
11.45.04
